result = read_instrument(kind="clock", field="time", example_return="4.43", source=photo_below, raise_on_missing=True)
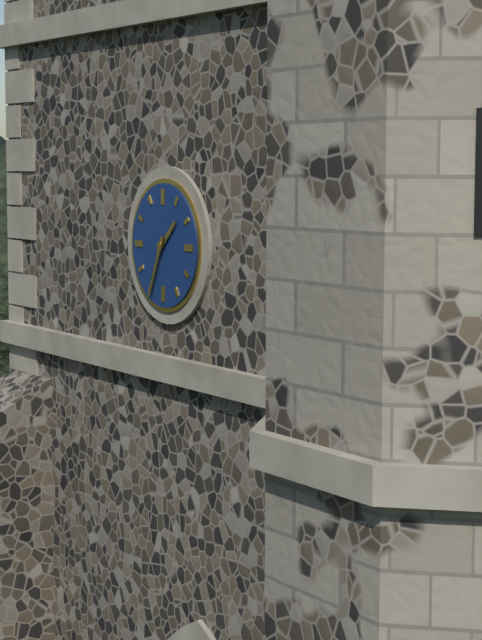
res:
1.34
